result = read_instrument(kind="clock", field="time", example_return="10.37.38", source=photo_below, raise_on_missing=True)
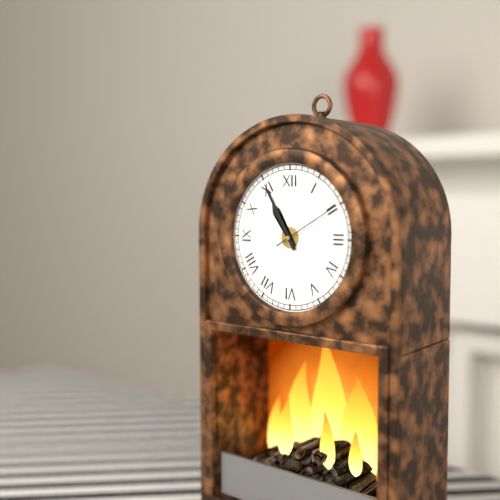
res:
10.55.10
